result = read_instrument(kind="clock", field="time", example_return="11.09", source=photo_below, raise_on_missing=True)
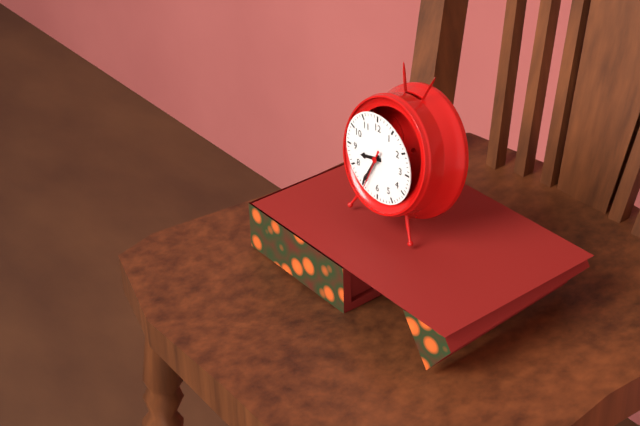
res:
8.35
